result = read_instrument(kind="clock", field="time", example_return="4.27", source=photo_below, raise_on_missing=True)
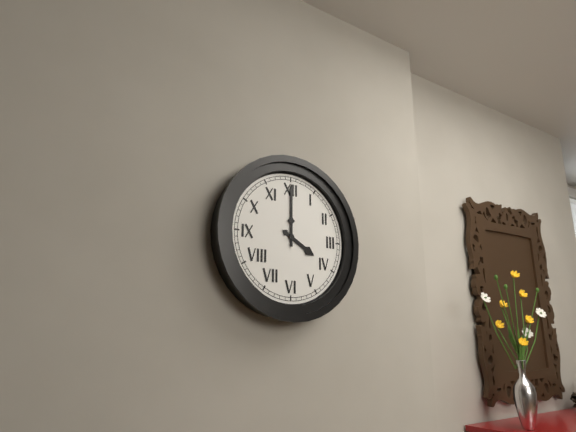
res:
4.00
